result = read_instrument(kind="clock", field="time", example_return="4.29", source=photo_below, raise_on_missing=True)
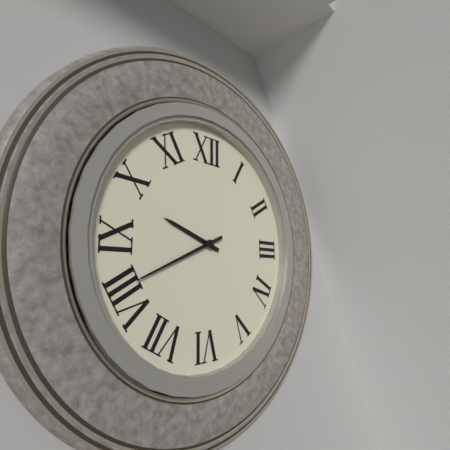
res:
9.41
